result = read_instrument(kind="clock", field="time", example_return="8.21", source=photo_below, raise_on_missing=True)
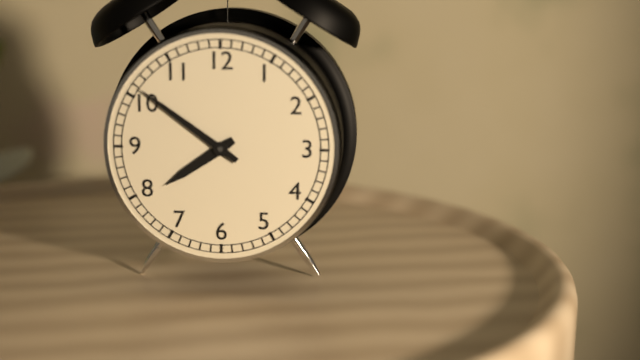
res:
7.51
